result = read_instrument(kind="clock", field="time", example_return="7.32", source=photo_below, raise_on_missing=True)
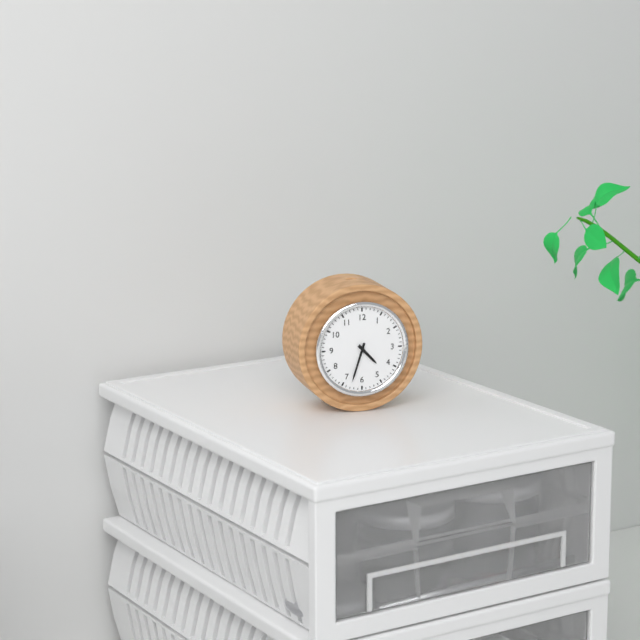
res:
4.33
